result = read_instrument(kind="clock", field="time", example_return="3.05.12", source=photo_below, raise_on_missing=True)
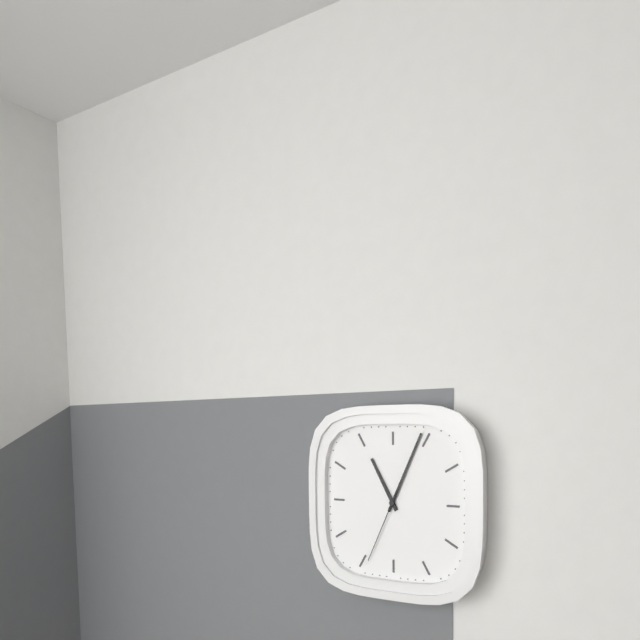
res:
11.04.34
